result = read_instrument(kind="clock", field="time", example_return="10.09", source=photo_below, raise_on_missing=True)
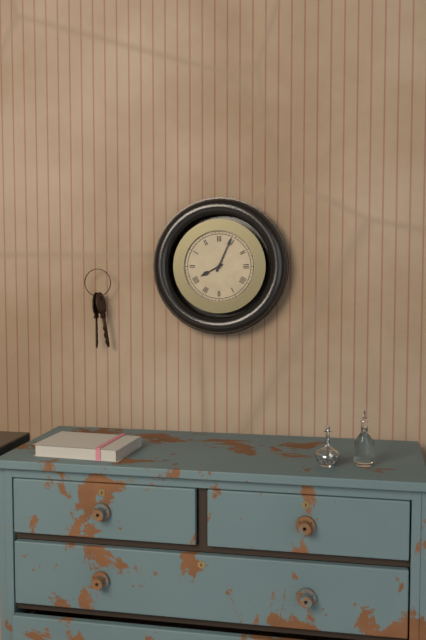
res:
8.04
